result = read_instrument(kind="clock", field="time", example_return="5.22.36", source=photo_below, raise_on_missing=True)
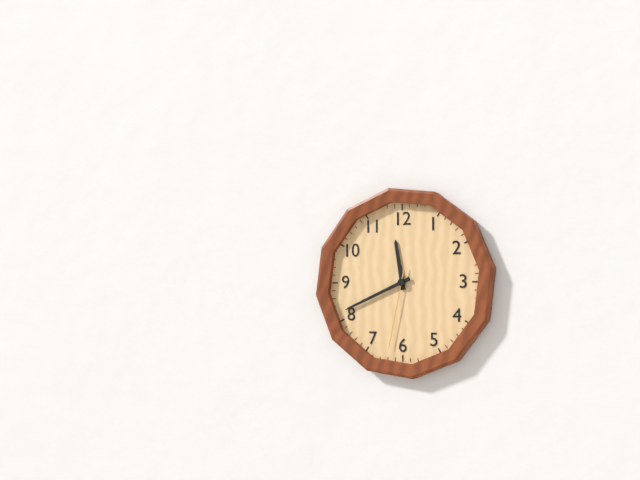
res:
11.41.32
